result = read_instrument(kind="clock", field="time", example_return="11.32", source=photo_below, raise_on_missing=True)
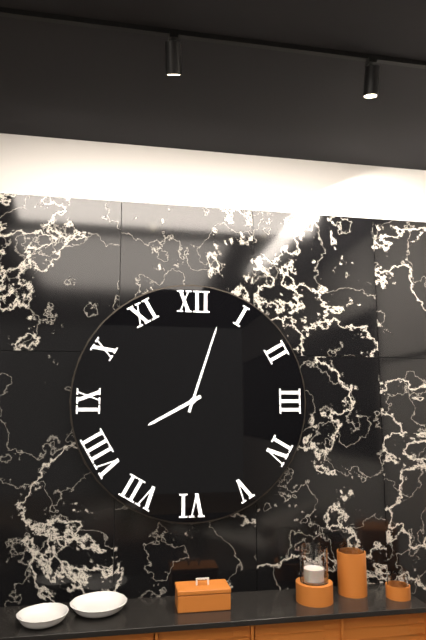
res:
8.03
